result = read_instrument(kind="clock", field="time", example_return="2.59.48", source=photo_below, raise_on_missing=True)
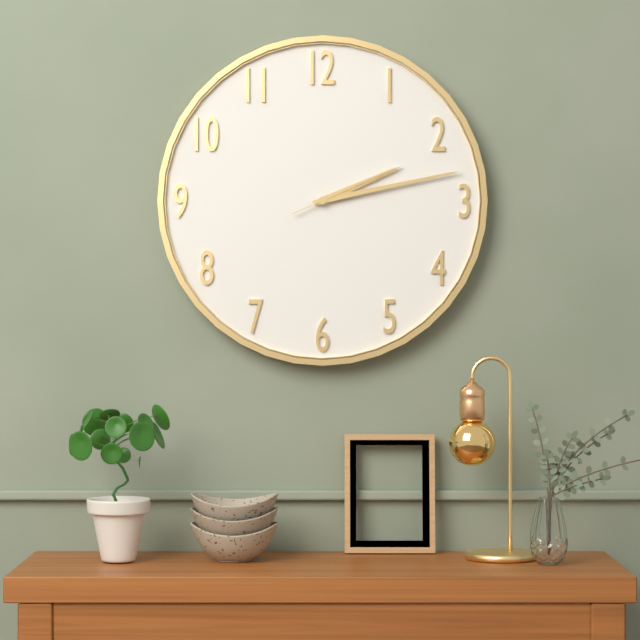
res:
2.13.11
